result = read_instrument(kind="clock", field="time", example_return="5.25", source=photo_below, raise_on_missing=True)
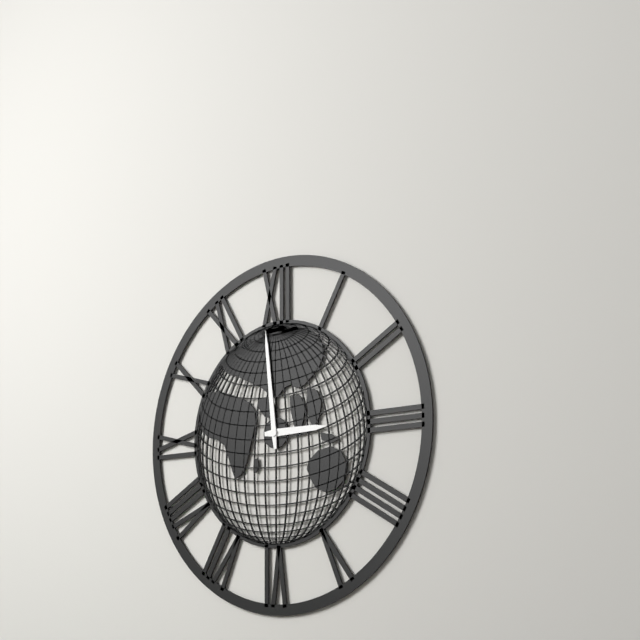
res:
2.59
